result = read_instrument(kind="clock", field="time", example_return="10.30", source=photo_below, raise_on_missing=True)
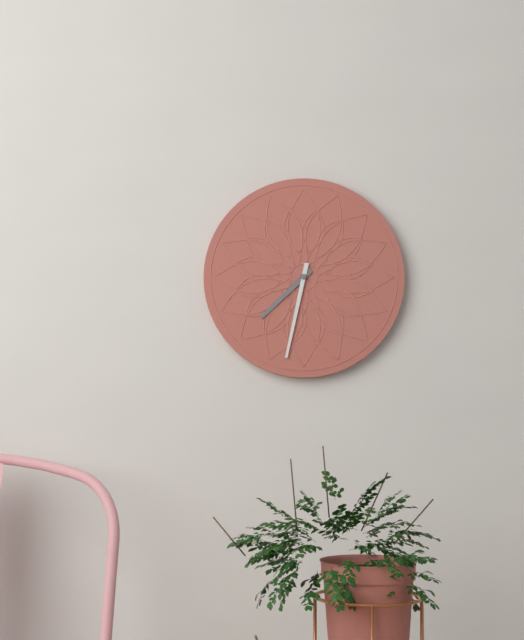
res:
7.32
